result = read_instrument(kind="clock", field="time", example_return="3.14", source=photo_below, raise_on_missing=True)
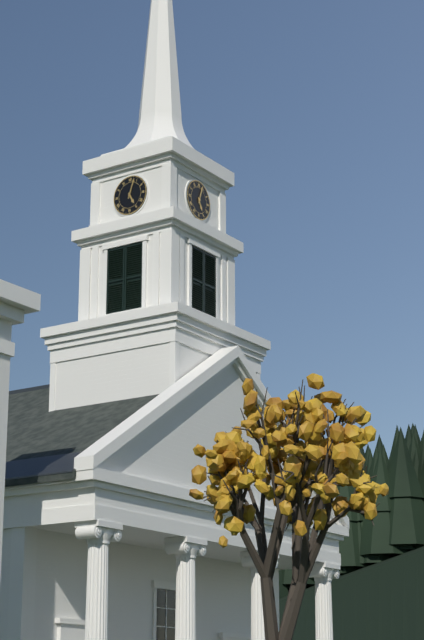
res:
5.03
